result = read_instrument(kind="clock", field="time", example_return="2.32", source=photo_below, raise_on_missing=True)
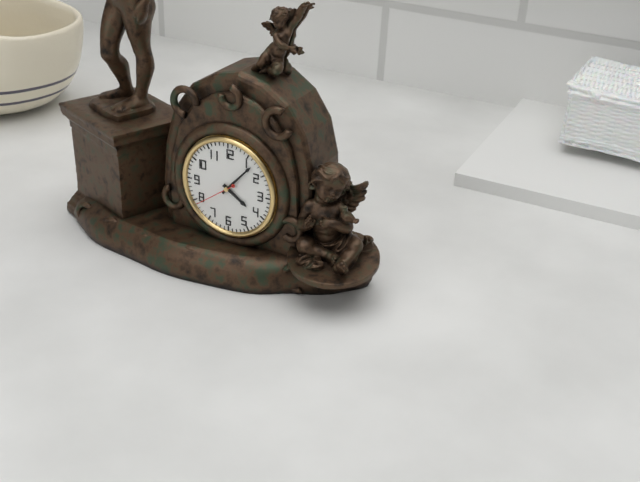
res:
4.07
